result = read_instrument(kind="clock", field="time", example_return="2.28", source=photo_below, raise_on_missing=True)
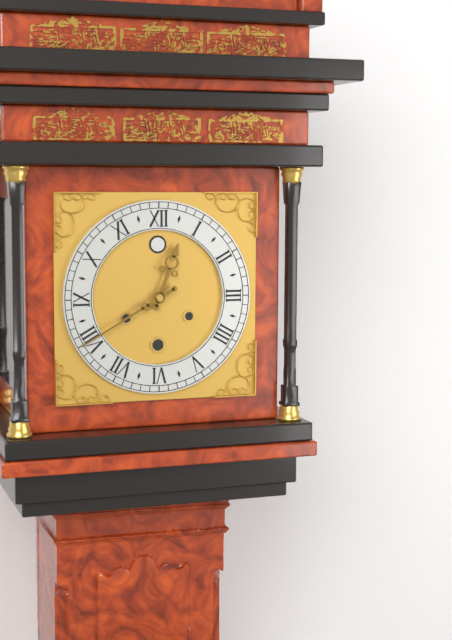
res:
12.40
